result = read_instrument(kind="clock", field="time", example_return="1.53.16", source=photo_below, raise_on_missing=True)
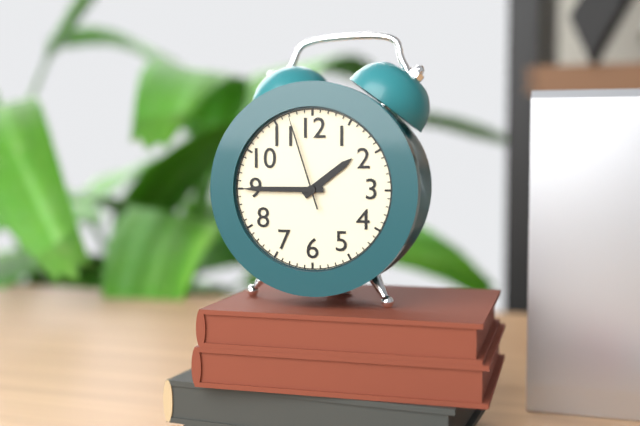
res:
1.45.57
